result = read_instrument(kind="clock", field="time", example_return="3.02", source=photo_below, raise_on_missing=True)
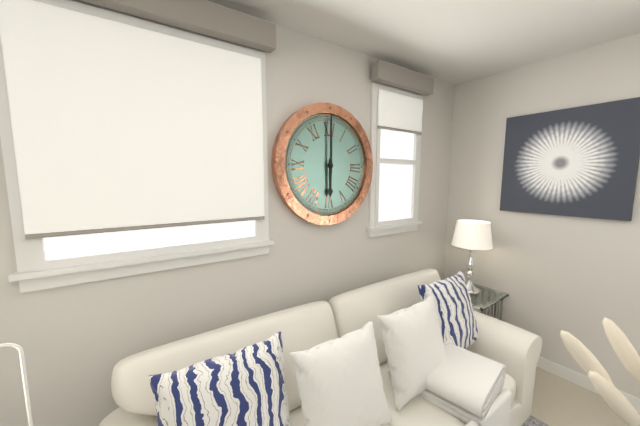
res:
6.00
